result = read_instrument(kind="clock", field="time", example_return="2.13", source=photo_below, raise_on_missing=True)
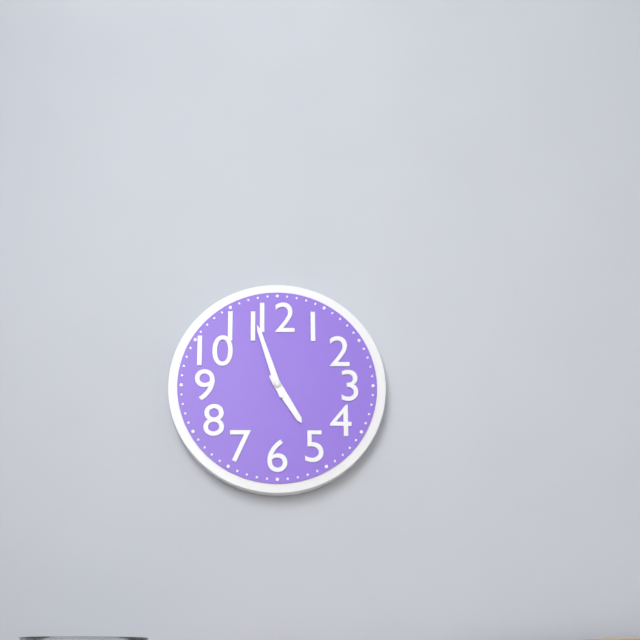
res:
4.57
